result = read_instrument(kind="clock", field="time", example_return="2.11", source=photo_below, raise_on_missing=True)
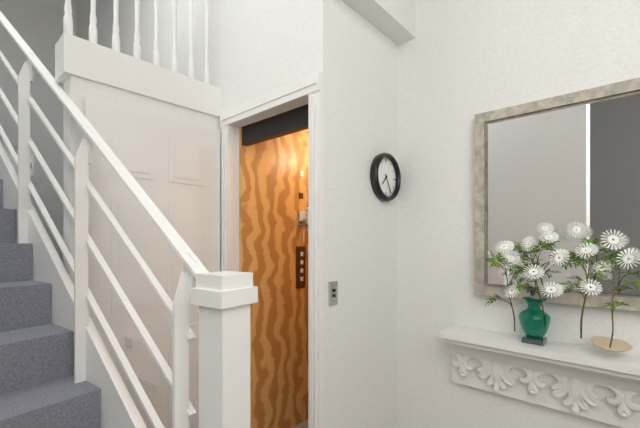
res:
7.25
